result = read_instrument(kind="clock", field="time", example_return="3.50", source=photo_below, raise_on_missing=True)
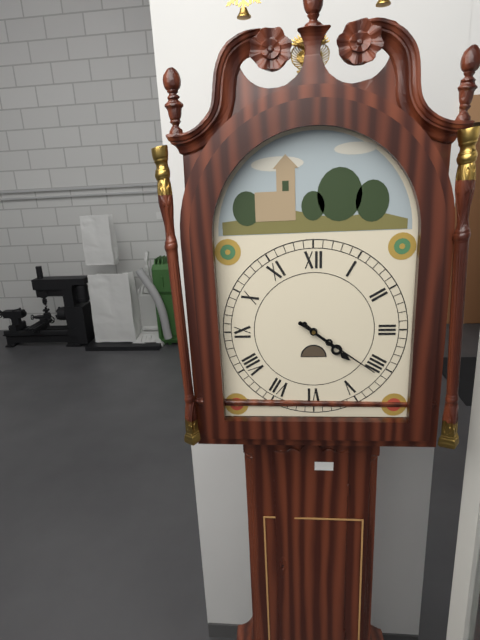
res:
4.21
